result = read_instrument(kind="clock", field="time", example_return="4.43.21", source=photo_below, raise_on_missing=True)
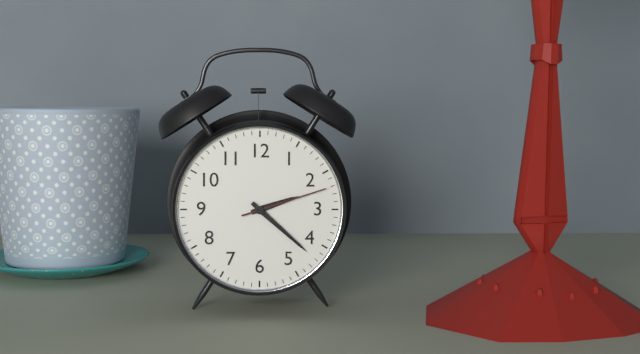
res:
2.22.12
